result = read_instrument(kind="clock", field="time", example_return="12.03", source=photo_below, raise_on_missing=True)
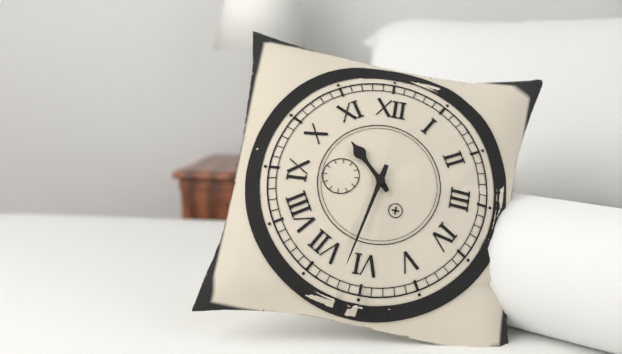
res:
10.32
